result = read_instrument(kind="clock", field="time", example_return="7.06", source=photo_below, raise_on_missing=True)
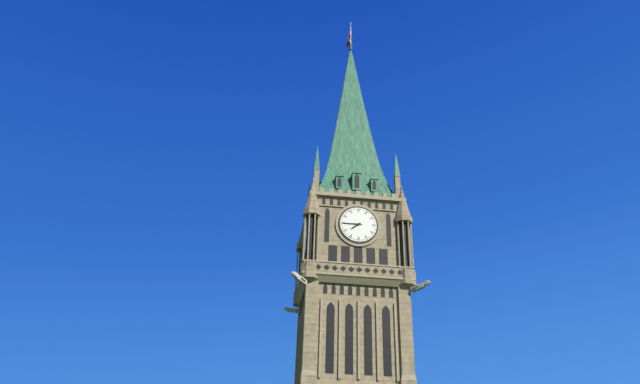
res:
7.45
